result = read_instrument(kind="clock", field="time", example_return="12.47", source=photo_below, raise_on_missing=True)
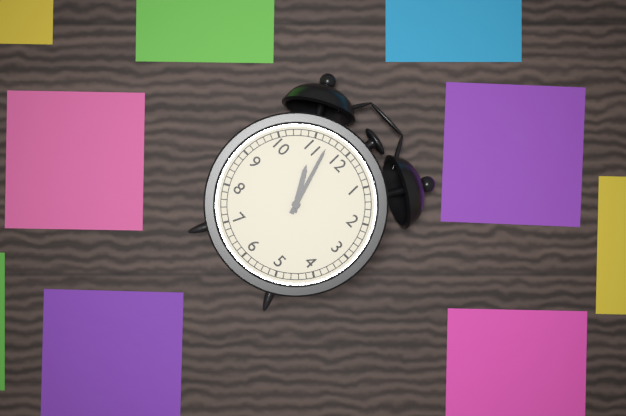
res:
10.57
